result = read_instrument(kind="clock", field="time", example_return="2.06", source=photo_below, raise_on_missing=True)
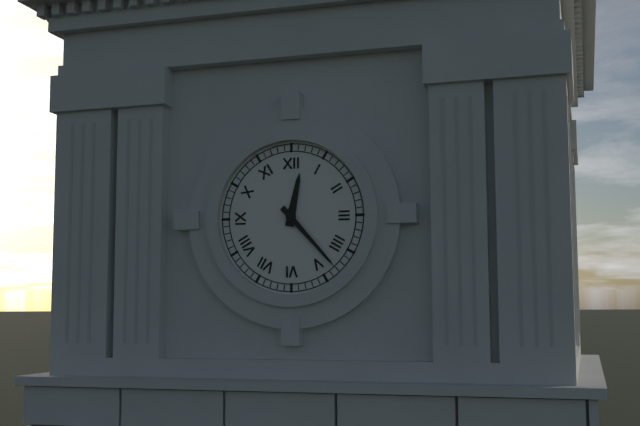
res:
12.23
